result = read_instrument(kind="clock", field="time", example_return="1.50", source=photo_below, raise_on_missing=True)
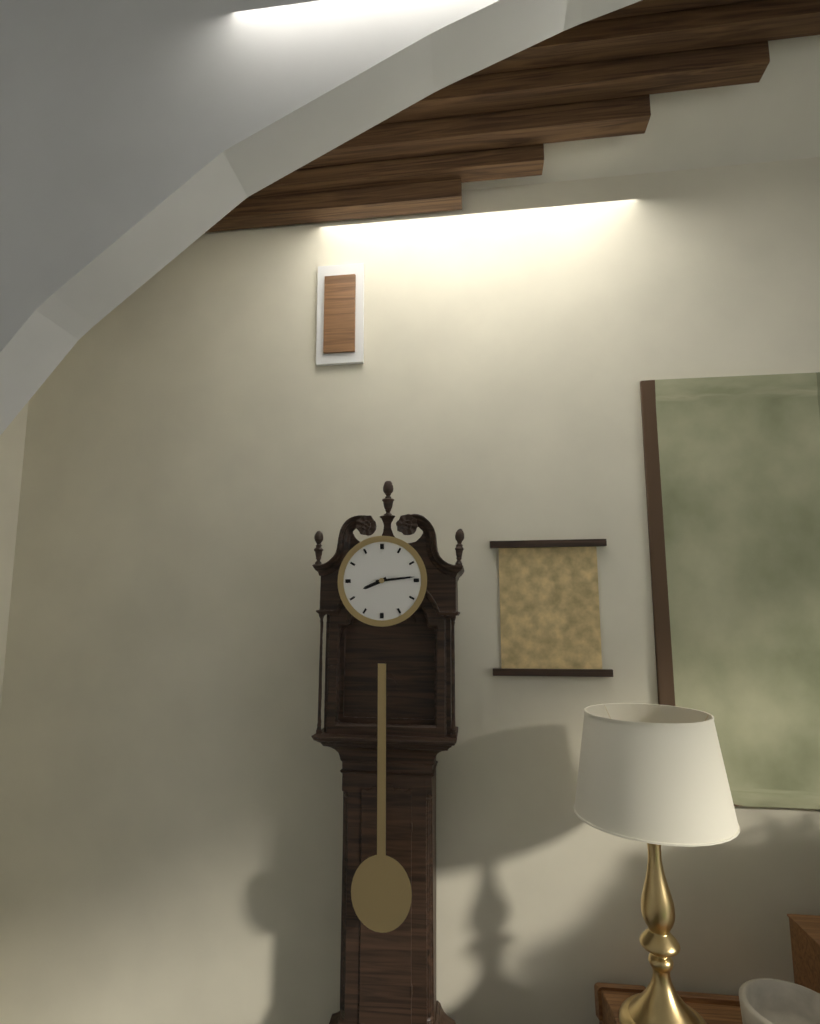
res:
8.14
